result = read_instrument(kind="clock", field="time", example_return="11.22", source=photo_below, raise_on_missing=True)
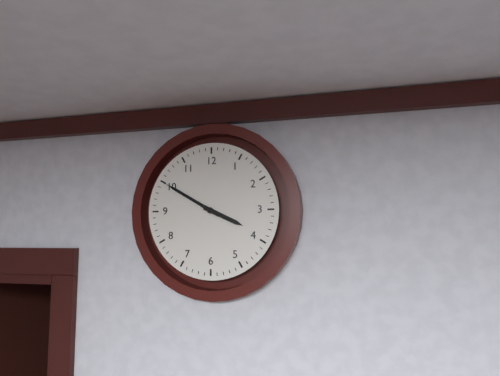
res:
3.50
